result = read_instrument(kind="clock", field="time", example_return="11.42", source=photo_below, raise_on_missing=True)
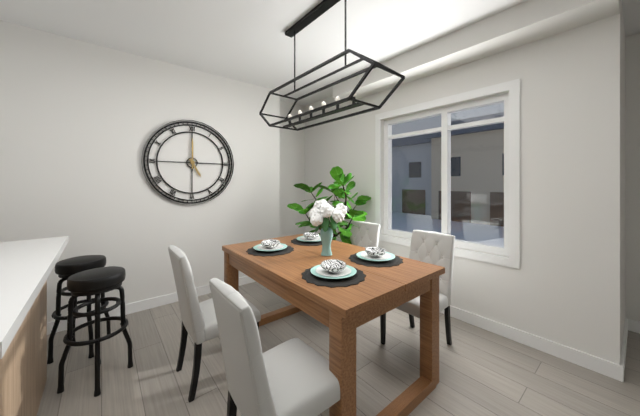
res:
5.00
